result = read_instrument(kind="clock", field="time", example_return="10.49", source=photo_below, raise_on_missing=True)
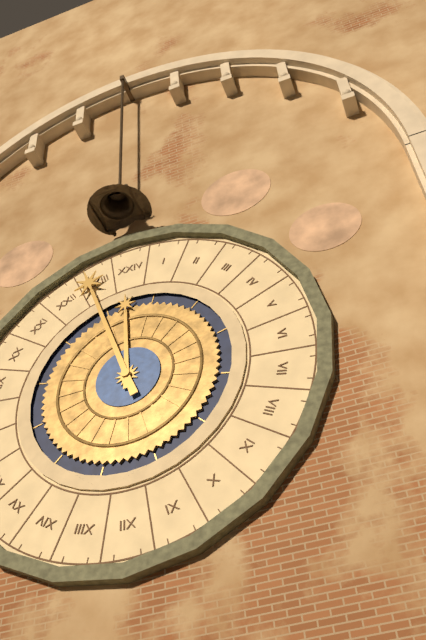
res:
11.57
